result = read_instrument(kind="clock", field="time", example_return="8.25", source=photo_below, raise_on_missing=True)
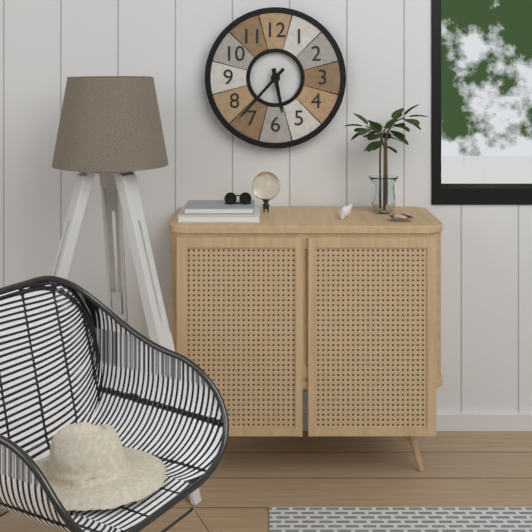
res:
5.37
